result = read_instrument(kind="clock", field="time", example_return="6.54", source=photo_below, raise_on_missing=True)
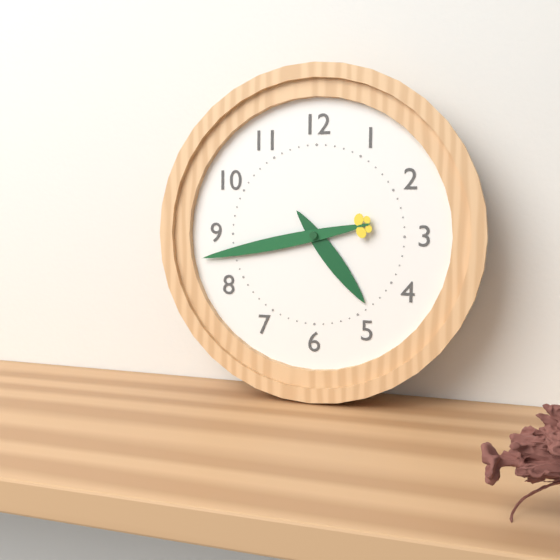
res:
4.43
